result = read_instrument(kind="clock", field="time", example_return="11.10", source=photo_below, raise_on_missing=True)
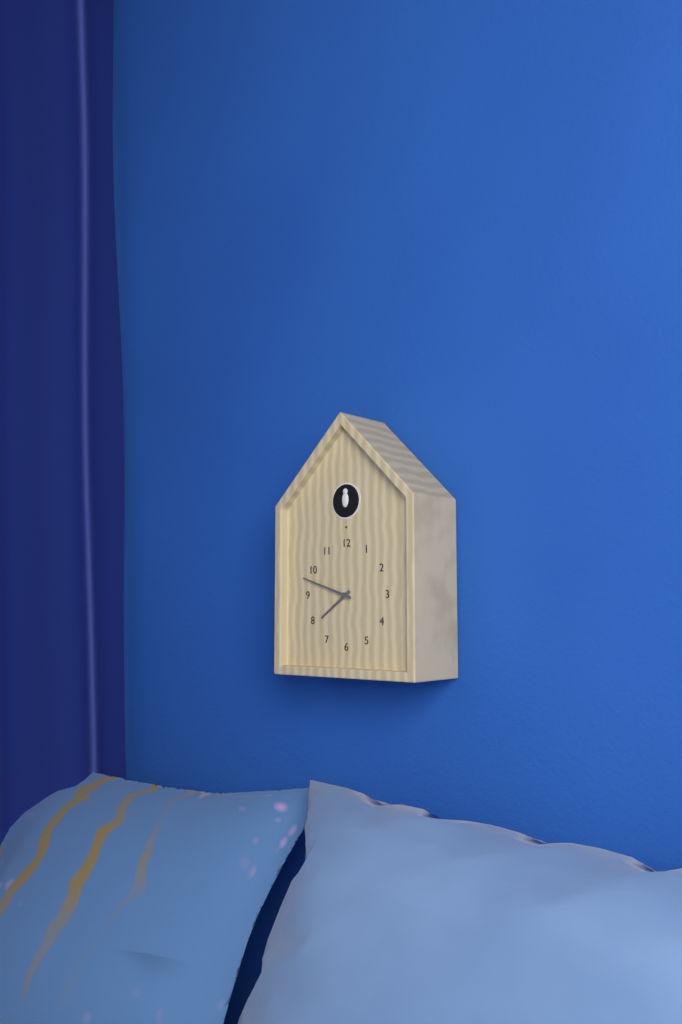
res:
7.48
